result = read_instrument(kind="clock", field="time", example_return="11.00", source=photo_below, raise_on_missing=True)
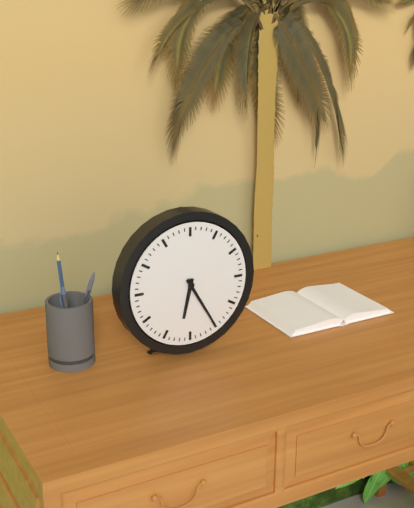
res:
6.25
